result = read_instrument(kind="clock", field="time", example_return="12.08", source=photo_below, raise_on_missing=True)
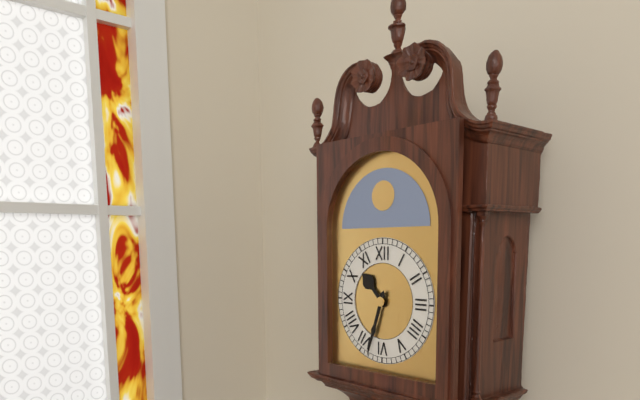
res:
10.33
